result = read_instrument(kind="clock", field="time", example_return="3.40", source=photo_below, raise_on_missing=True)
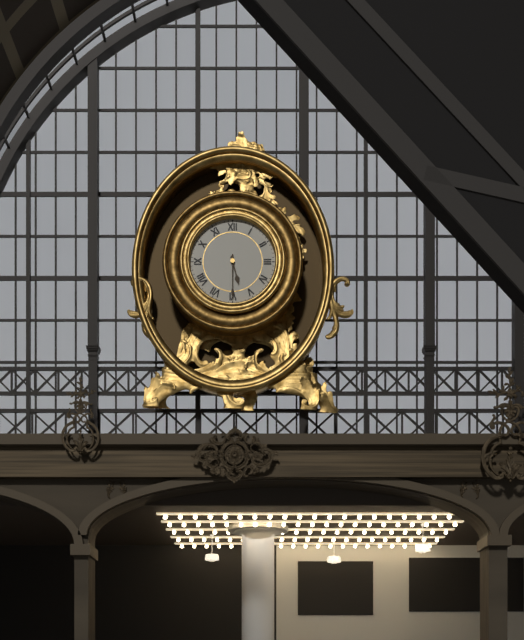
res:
5.30
